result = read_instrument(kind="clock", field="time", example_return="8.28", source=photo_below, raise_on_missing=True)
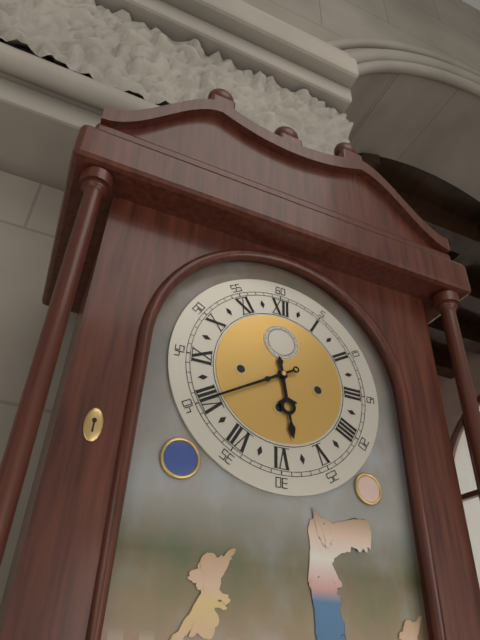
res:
5.40
